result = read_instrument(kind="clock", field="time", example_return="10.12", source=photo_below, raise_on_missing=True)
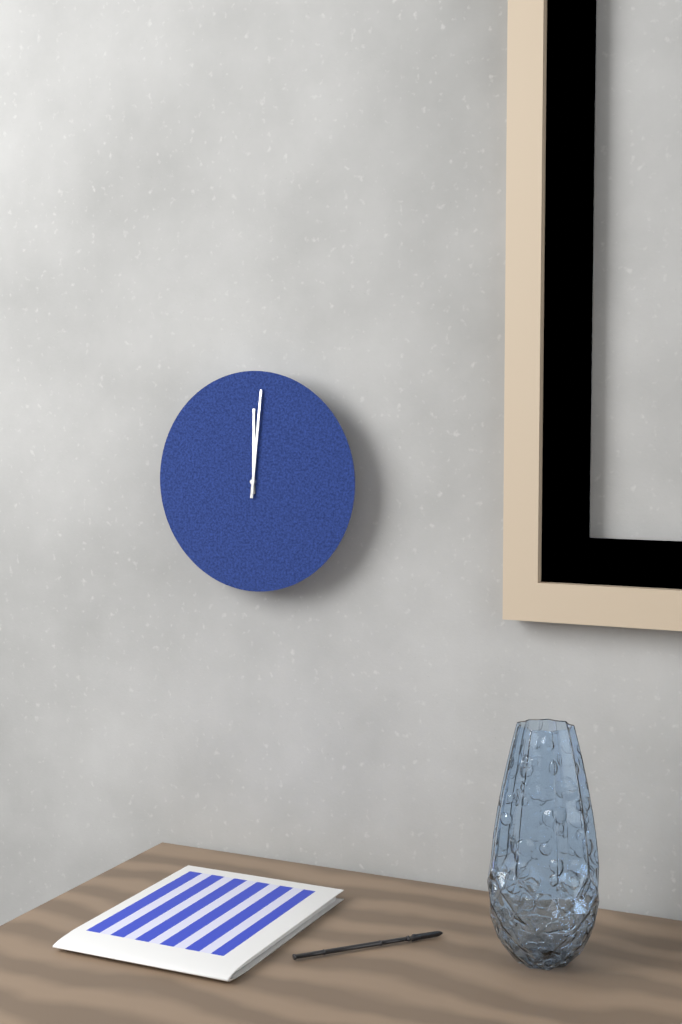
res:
12.01
